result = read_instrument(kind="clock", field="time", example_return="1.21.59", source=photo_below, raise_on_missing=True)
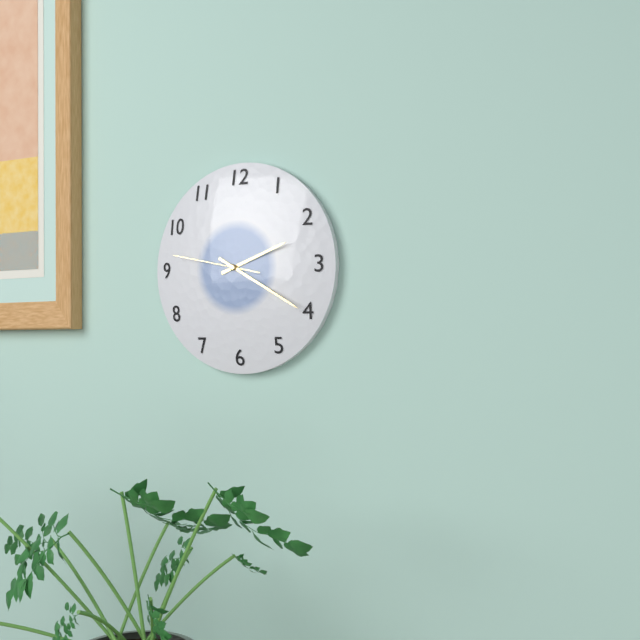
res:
2.20.47
